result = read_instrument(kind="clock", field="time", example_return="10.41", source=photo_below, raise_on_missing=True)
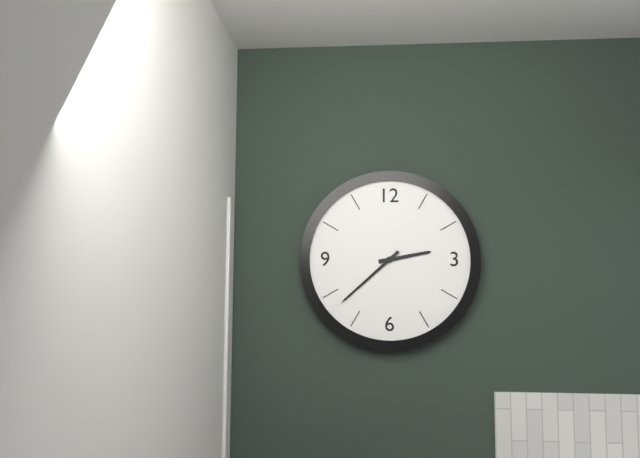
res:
2.38
